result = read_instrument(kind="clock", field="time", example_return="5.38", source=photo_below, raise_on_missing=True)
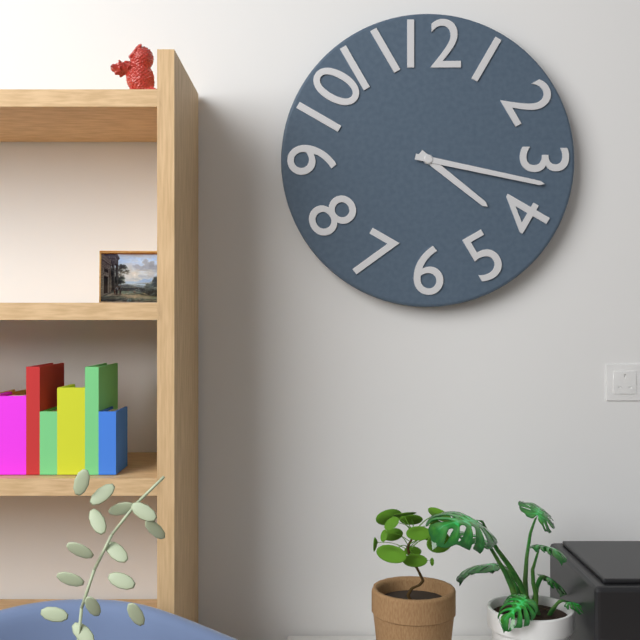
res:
4.17
